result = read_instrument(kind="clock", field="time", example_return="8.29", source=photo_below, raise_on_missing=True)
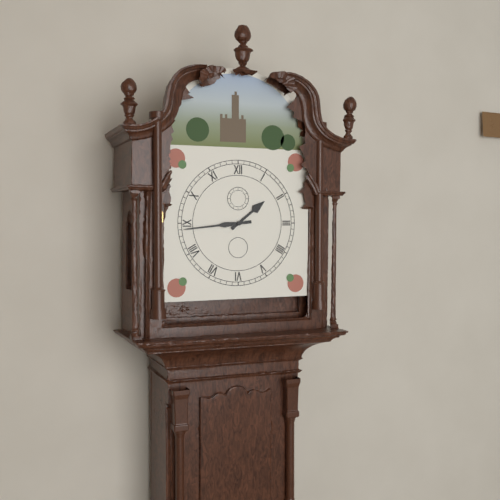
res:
1.44
